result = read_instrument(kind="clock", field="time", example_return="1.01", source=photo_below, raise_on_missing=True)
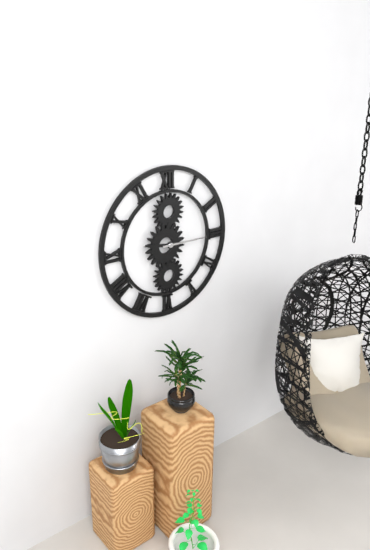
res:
9.15
